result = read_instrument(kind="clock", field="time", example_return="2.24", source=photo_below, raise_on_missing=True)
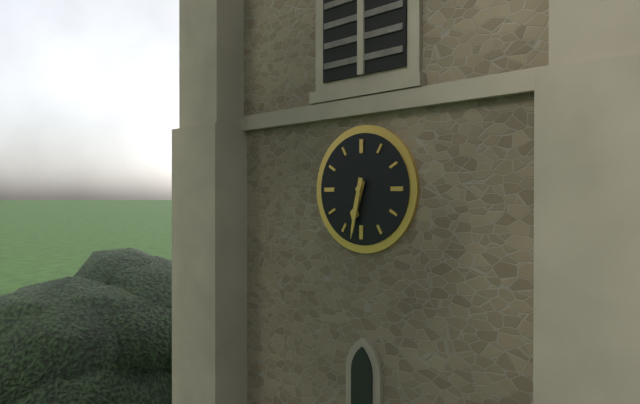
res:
6.32
